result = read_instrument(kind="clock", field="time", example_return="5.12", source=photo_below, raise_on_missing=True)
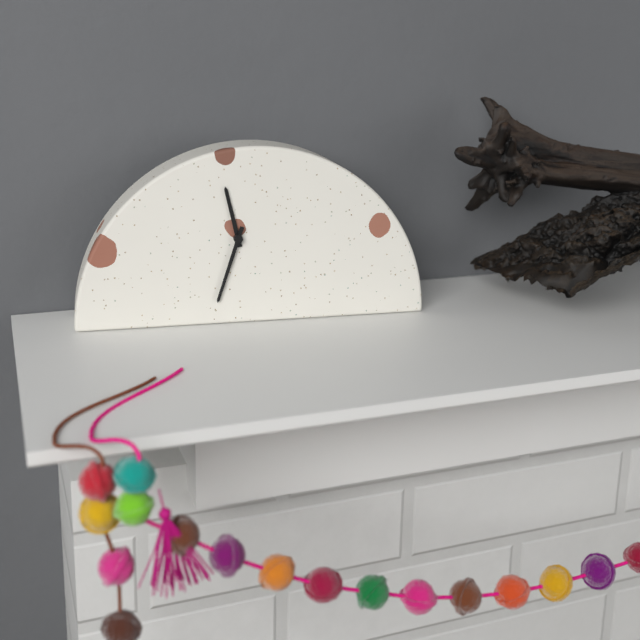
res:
11.33
